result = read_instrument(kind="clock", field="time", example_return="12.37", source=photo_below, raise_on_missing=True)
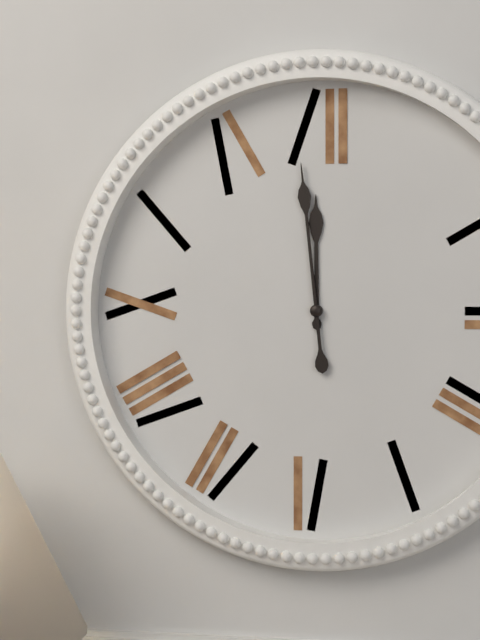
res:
11.59
